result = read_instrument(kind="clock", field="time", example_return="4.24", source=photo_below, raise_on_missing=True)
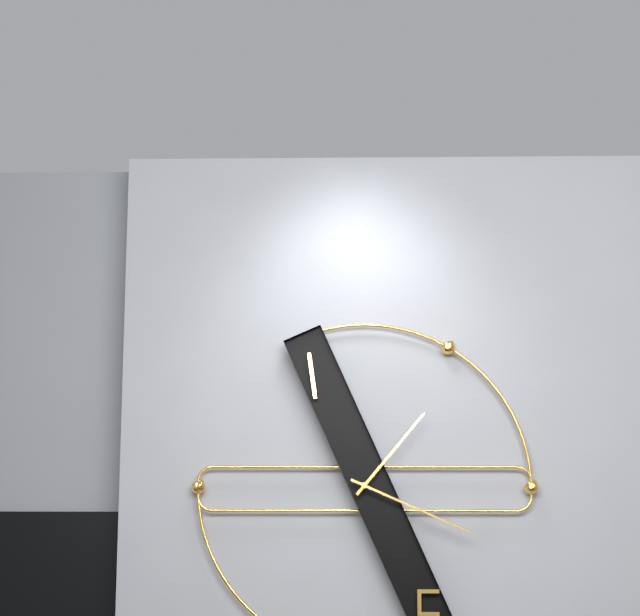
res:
1.19
